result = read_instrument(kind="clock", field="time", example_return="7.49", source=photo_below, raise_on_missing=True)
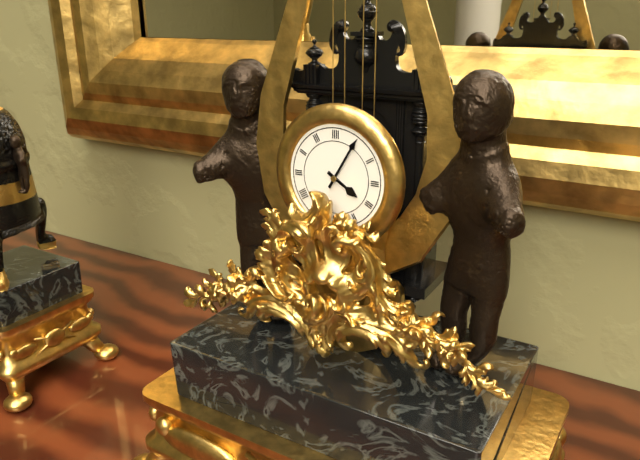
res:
4.05
